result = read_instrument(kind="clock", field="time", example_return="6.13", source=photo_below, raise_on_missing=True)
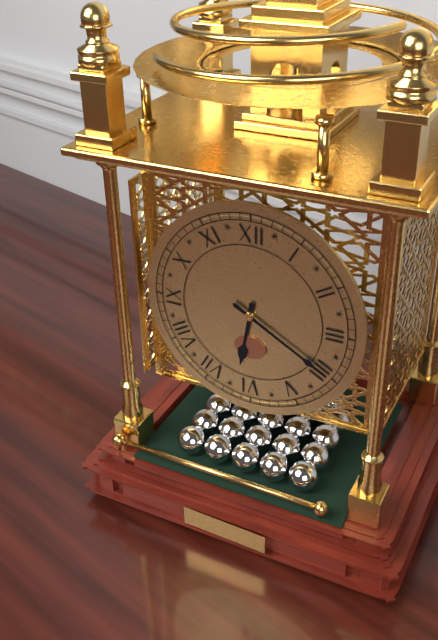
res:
6.20
